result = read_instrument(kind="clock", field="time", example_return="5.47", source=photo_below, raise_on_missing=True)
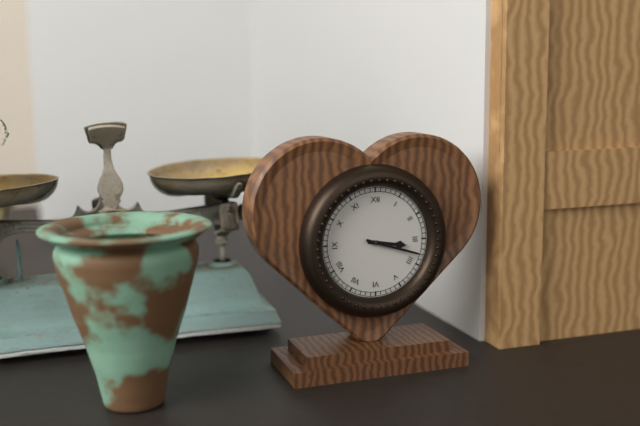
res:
3.18
